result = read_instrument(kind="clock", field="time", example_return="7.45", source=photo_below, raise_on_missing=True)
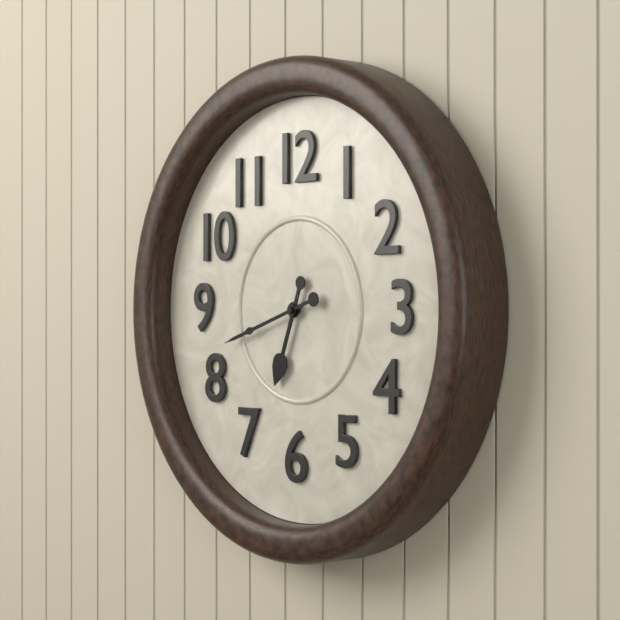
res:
6.42
